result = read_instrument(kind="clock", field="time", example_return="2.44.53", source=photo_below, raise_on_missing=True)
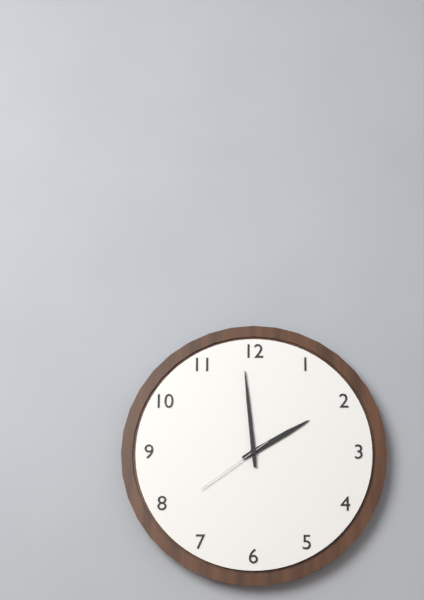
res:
1.59.39
